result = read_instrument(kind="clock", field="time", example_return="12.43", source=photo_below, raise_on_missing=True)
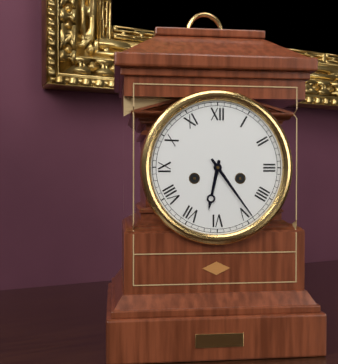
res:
6.24
